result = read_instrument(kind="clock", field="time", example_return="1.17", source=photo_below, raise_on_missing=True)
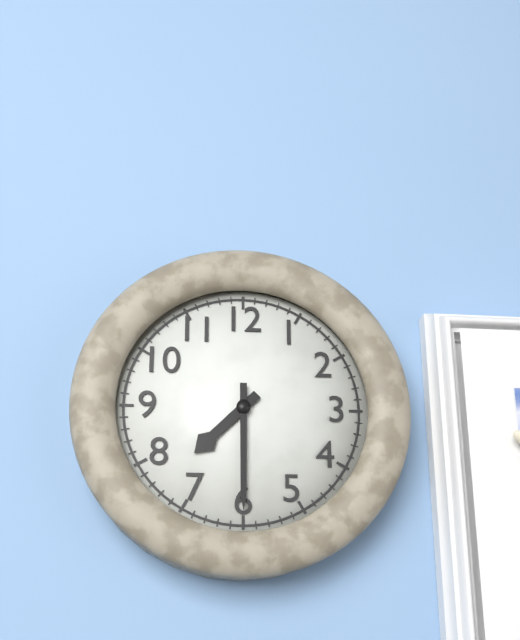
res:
7.30
